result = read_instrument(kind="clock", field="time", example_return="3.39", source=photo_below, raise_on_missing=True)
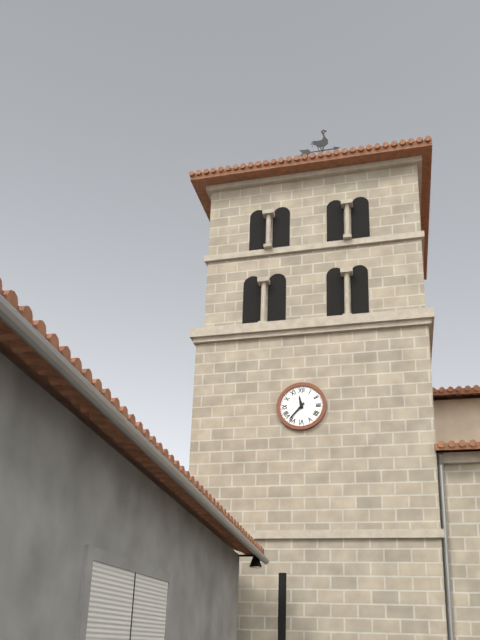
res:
11.37
